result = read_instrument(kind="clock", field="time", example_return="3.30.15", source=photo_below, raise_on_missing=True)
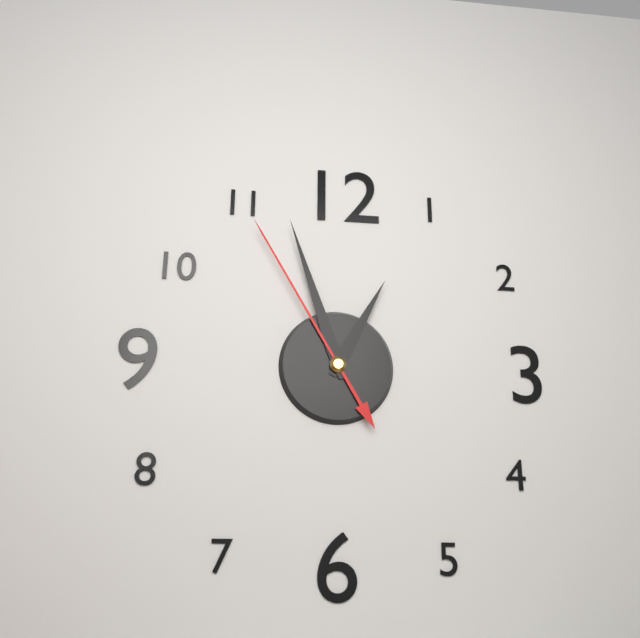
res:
12.57.55
